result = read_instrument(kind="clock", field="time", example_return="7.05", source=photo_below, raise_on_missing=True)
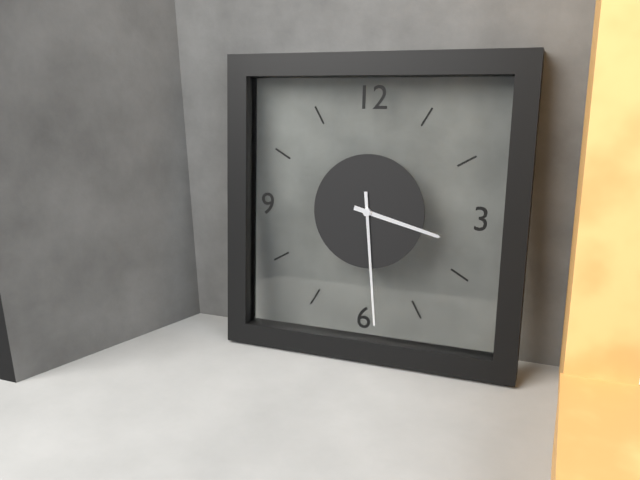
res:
3.29
